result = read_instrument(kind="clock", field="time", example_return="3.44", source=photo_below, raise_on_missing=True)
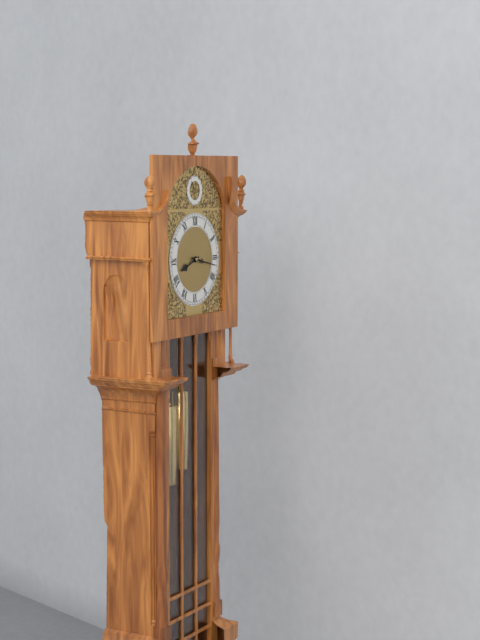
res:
8.17
